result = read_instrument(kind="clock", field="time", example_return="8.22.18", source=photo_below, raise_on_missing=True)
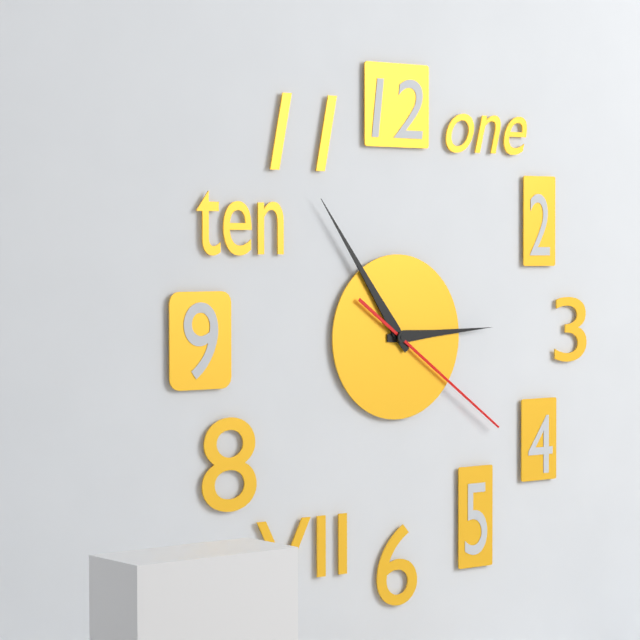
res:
2.54.21
